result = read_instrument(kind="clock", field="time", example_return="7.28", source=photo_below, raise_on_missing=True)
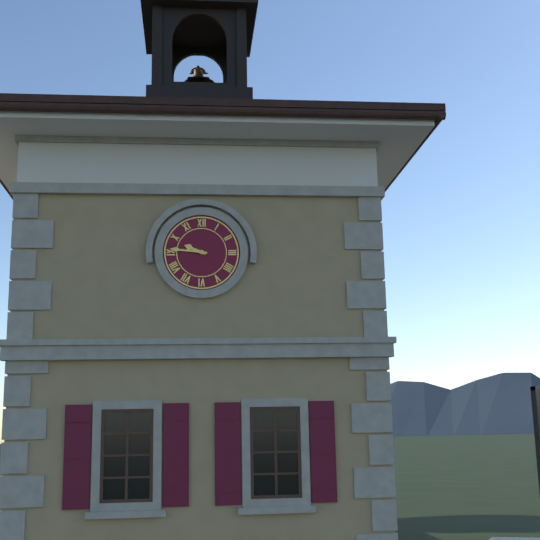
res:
9.46
